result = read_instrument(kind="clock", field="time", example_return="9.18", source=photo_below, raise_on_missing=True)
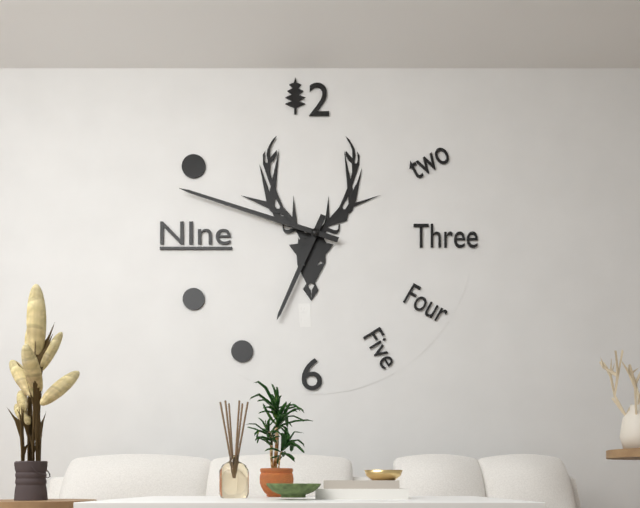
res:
6.48
